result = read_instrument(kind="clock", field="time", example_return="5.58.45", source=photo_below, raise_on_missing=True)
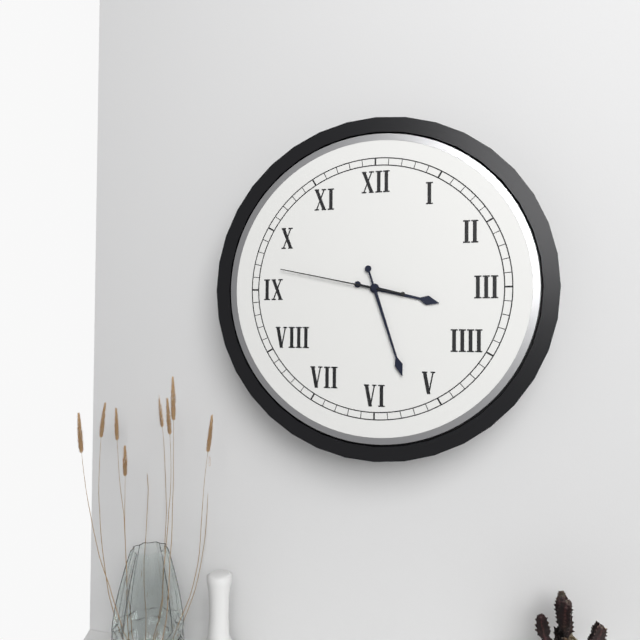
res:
3.27.47
